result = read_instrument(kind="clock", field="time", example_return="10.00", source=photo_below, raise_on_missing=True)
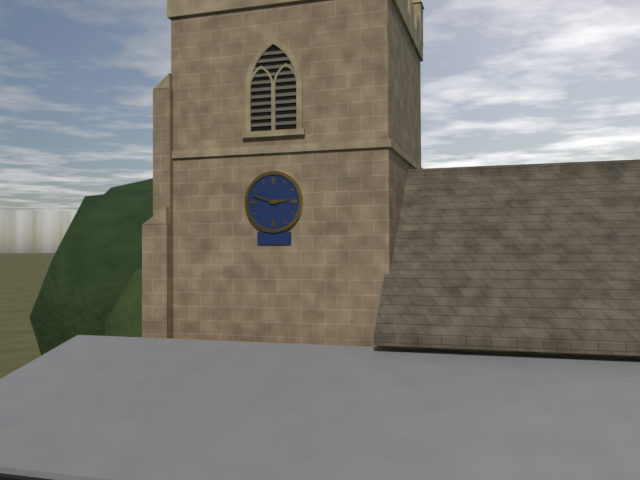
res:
2.48
